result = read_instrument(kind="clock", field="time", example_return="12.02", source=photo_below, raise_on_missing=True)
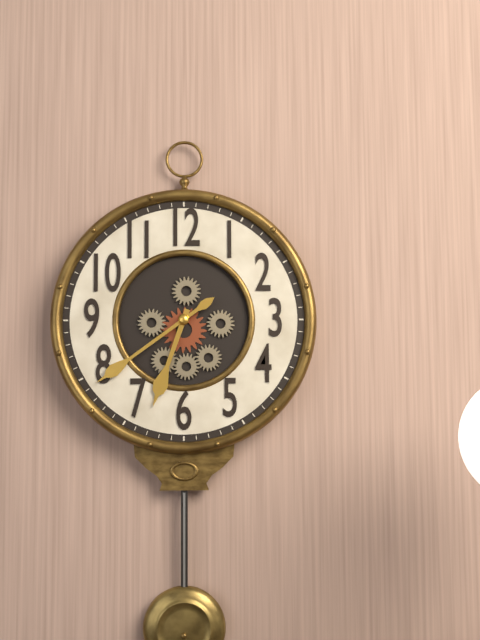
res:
6.39
